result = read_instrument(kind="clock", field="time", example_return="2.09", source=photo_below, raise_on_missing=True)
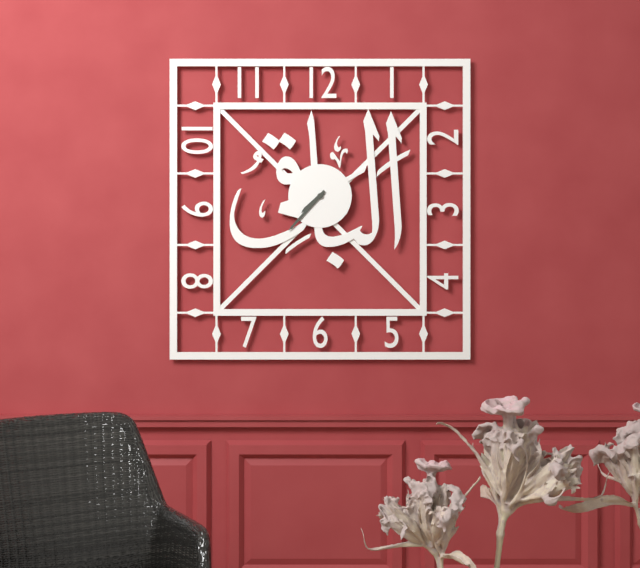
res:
7.37
